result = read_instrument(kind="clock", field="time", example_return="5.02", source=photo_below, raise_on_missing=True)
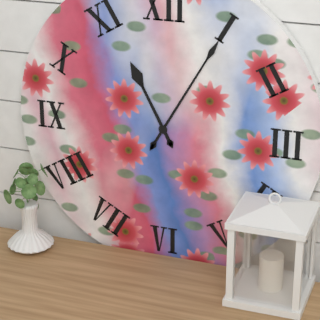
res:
11.05
